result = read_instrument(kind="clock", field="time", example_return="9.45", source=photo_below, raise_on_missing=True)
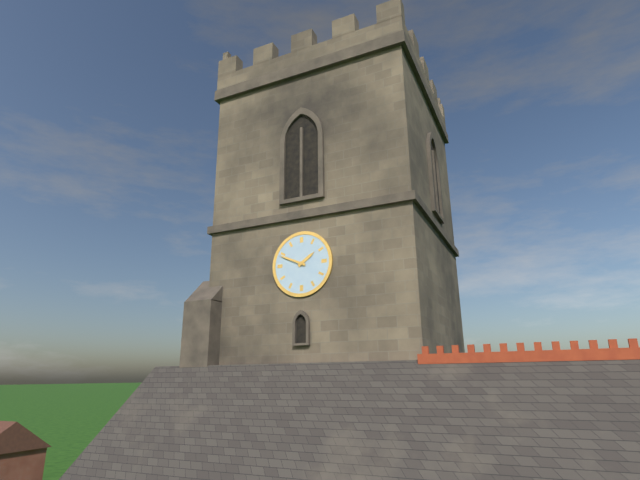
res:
1.49
